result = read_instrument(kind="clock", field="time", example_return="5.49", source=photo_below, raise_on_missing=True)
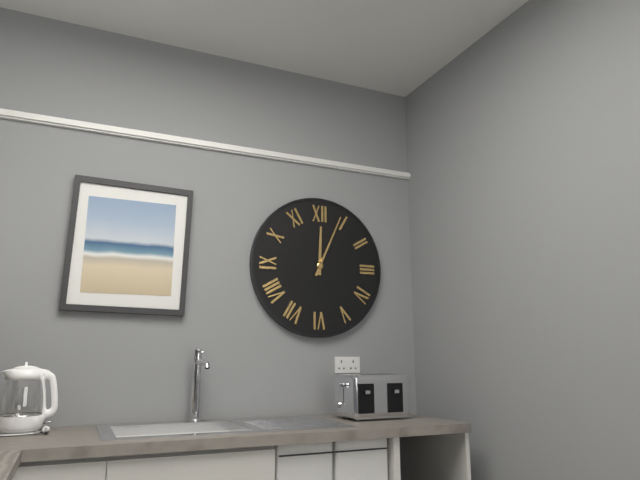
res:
12.04
